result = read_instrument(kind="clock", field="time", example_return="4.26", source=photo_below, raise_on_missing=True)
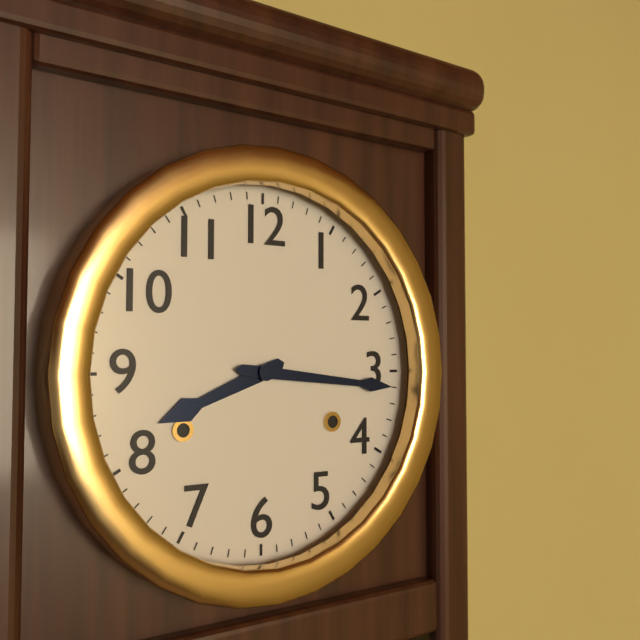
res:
8.16
